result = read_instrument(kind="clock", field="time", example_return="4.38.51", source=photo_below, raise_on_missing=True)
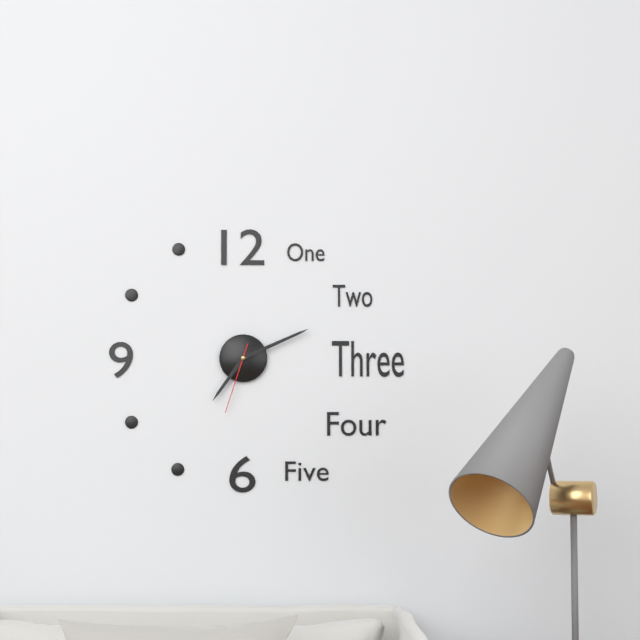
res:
7.11.33
